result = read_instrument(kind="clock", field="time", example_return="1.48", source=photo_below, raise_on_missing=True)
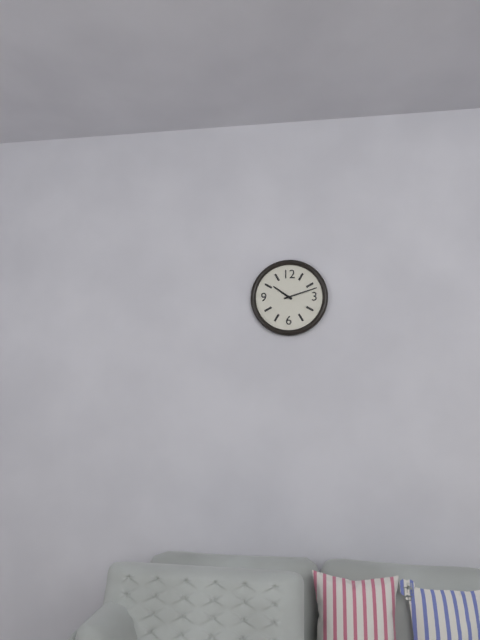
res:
10.12
